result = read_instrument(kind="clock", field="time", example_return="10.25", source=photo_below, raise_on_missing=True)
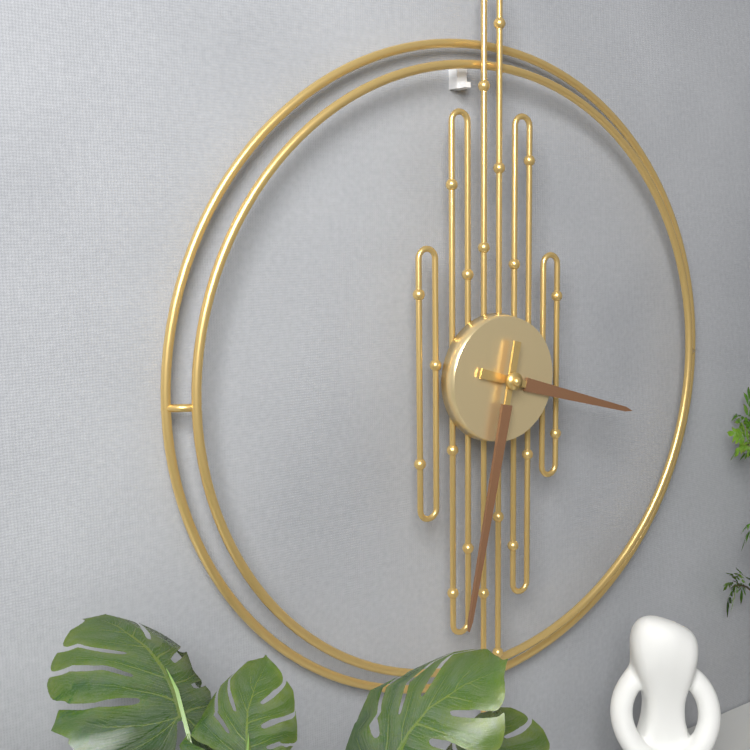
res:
3.32
